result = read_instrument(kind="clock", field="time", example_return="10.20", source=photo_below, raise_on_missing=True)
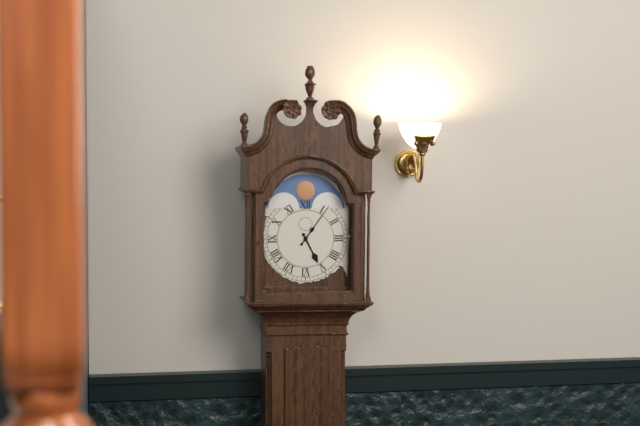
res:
5.06
